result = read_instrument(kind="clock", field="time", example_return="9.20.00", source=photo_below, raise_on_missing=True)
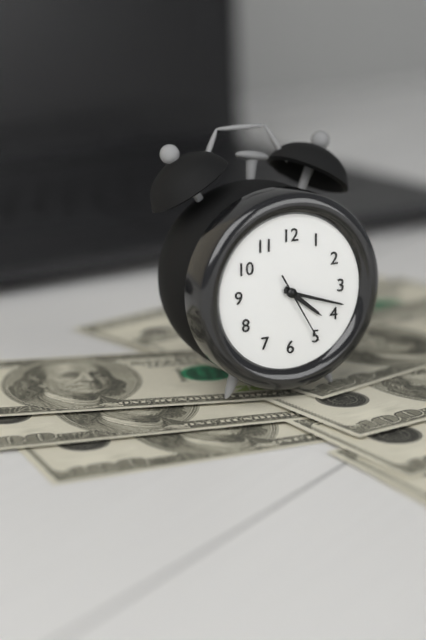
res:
4.18.25
